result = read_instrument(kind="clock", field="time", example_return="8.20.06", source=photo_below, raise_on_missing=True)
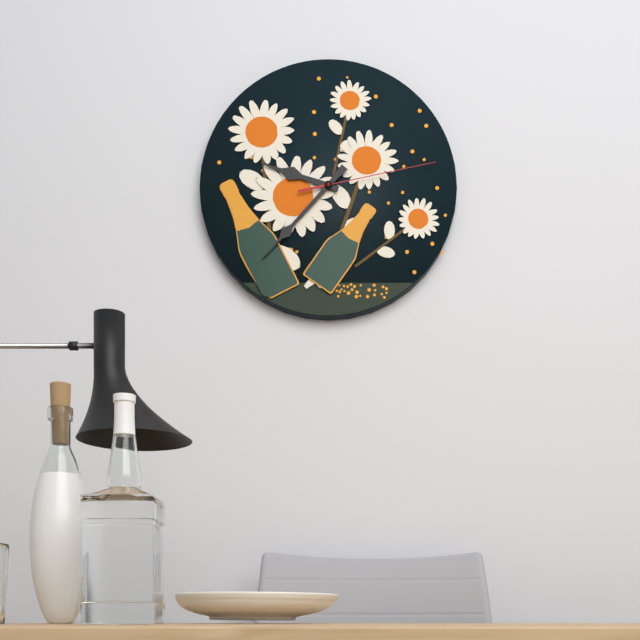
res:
9.37.13
